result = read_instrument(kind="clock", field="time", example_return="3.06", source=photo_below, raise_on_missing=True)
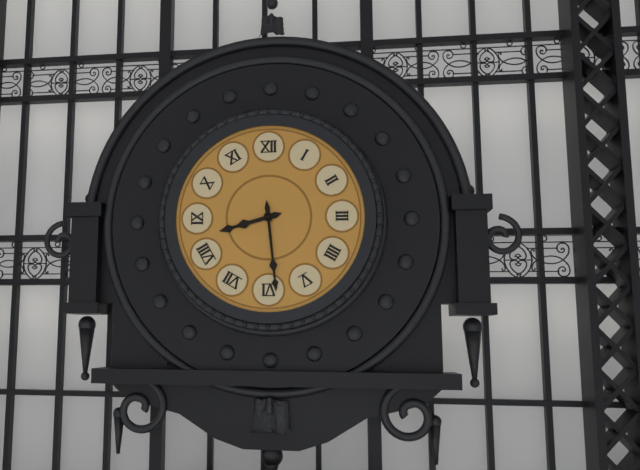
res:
8.29
